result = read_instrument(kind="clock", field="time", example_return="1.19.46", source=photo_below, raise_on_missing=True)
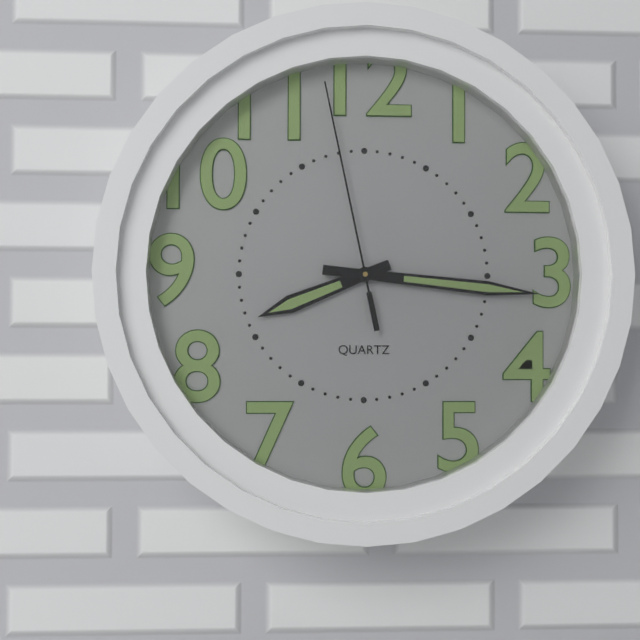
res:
8.16.58
